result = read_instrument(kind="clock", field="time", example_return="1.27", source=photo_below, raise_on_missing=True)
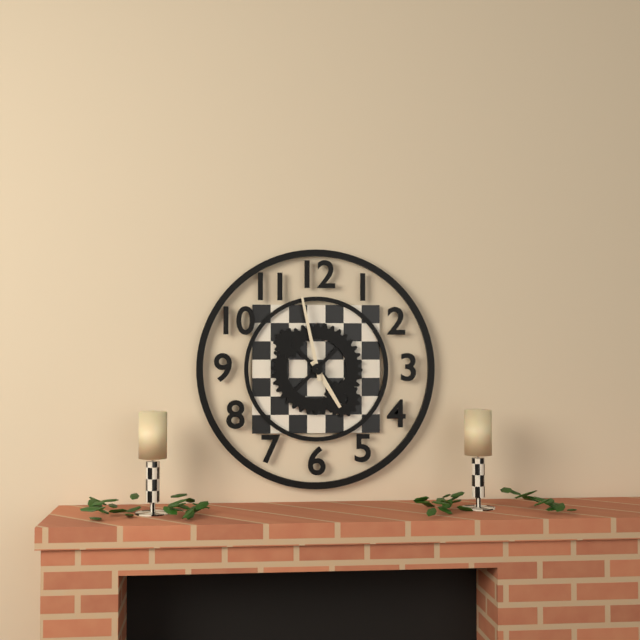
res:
4.58
